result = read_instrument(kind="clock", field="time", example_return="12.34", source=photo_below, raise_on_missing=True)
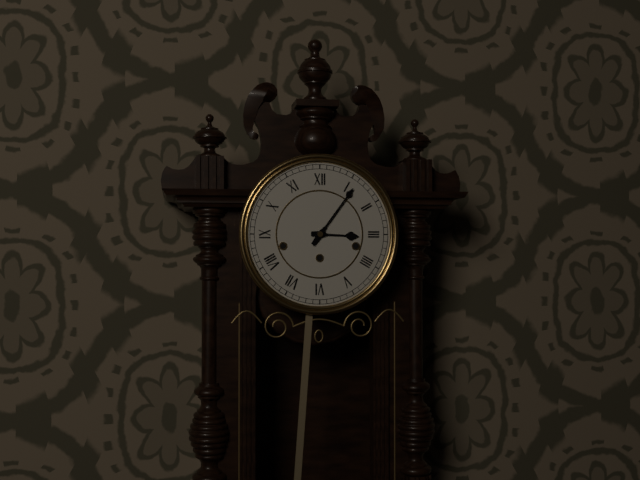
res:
3.06
